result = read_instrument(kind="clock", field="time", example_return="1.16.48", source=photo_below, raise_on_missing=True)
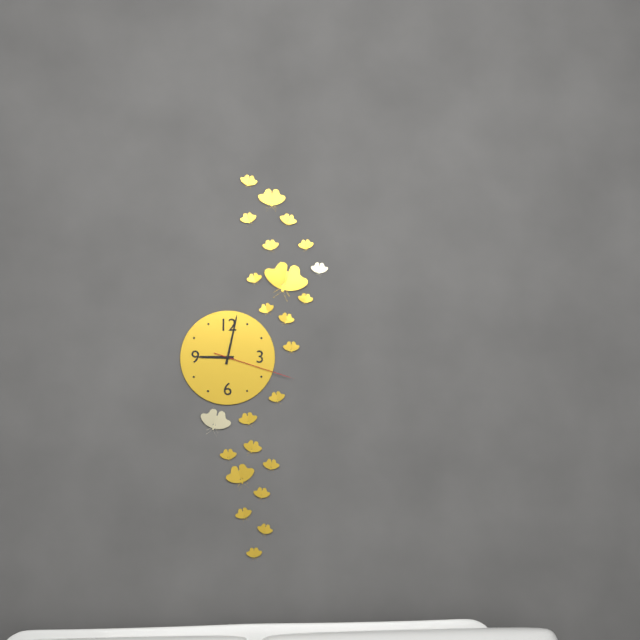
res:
9.02.18
